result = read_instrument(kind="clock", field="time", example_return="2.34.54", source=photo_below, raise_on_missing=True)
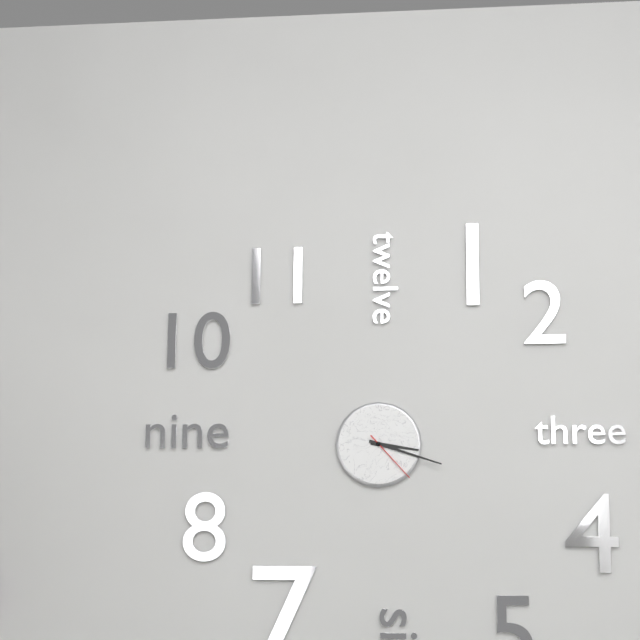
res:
3.18.23
